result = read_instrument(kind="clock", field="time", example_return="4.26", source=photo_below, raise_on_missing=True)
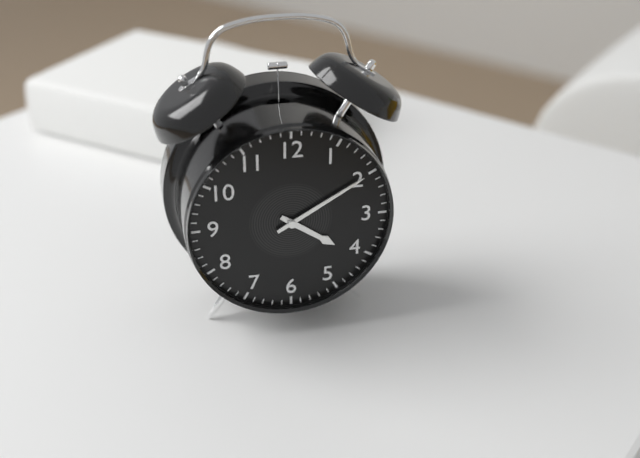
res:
4.10
